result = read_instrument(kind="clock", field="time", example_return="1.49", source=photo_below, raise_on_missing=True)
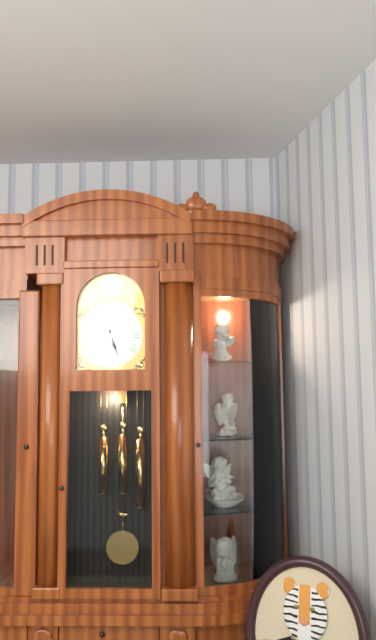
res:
5.27
